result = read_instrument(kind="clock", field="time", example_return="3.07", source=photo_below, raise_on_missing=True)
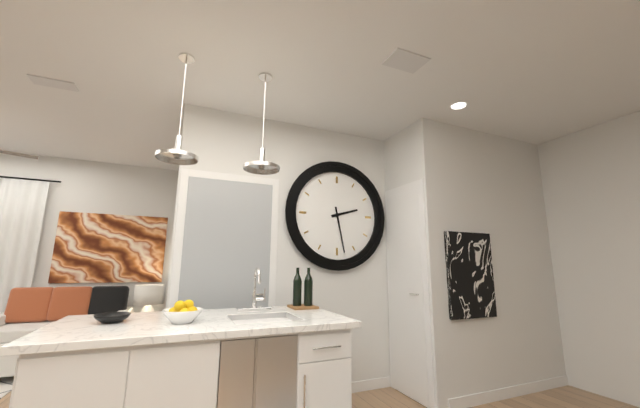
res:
2.28
